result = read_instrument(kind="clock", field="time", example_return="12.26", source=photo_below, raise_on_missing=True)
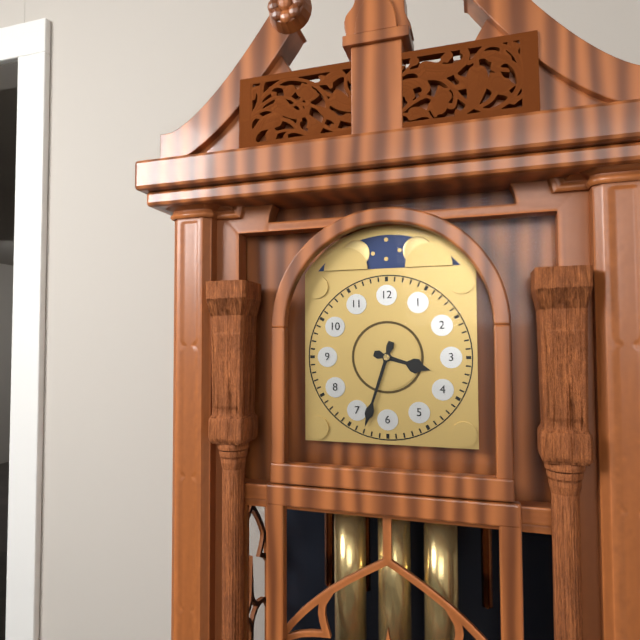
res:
3.33
